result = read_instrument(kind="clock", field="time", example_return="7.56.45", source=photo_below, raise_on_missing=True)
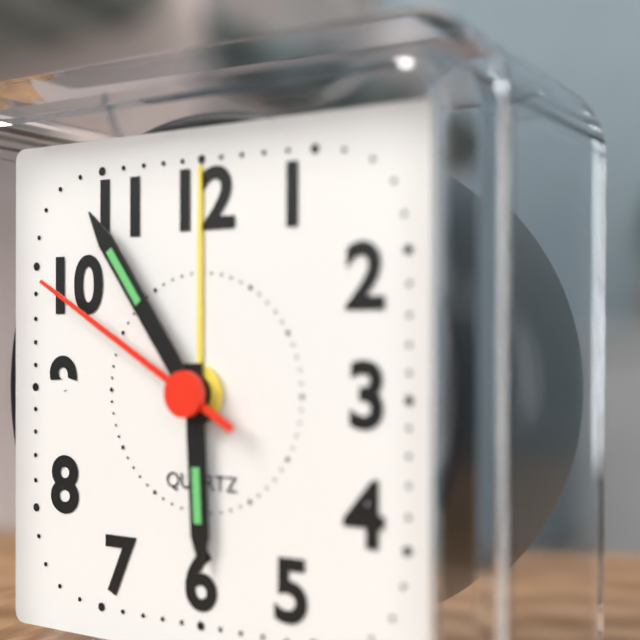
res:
5.54.50
